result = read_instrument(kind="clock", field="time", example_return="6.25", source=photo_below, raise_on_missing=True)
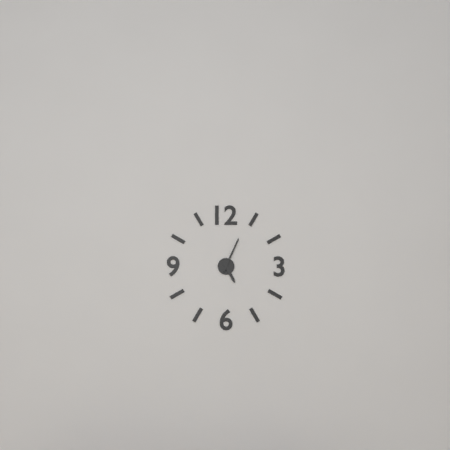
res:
5.04
